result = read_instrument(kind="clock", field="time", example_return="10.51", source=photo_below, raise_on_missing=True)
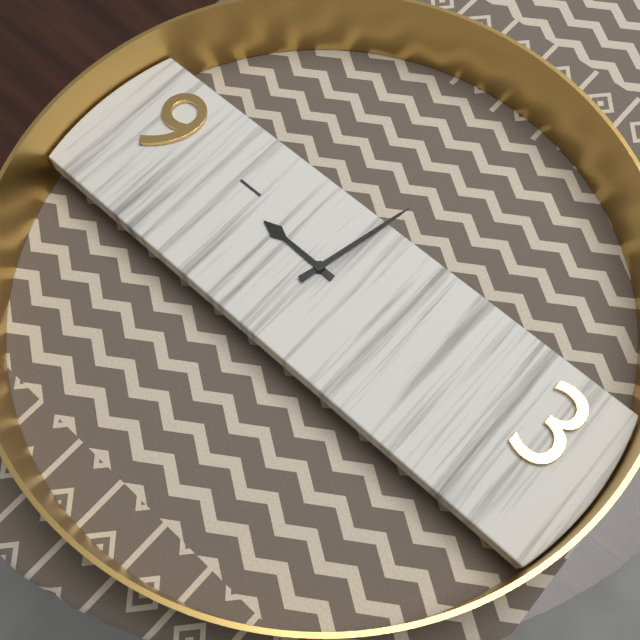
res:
9.02
